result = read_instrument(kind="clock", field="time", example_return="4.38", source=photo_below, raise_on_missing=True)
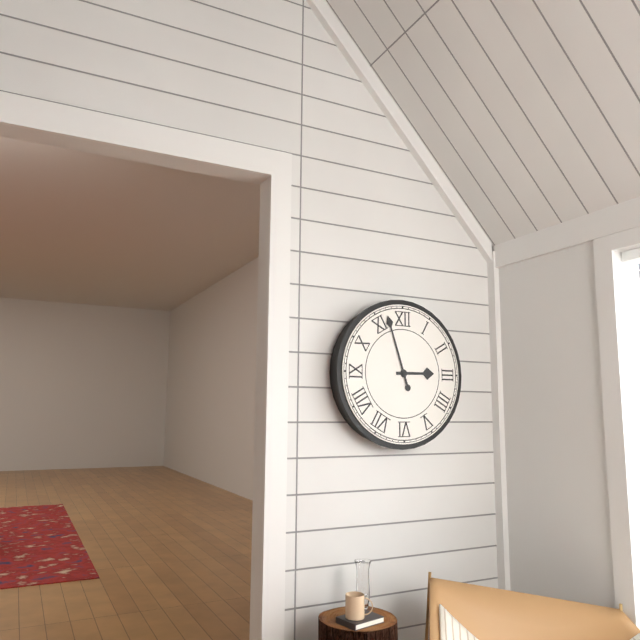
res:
2.57
